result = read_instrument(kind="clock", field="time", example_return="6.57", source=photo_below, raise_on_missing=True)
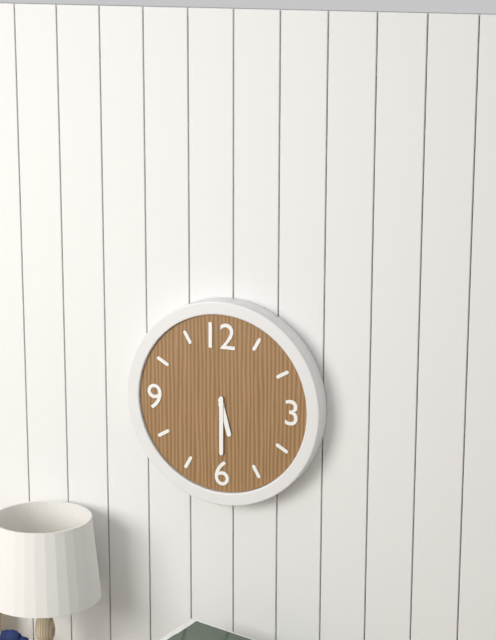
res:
5.30
